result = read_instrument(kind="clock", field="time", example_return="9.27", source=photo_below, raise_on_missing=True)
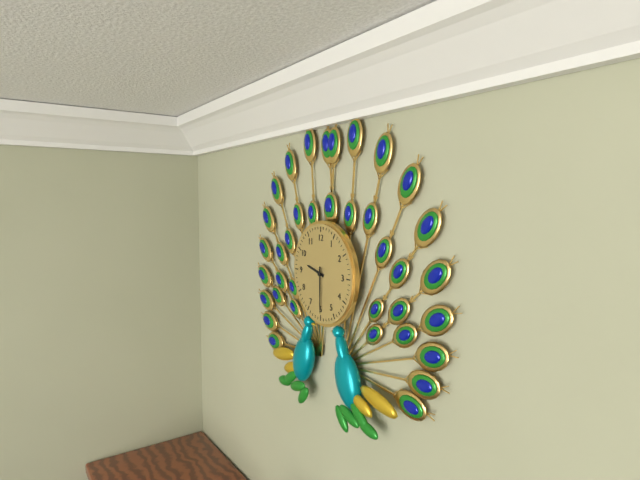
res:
9.30
